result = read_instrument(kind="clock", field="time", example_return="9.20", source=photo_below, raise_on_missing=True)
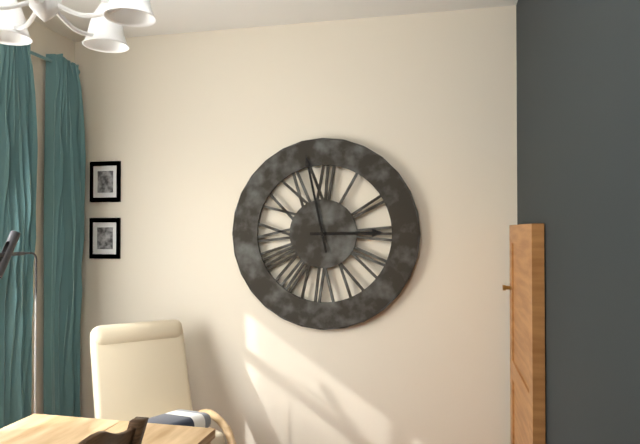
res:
2.58
